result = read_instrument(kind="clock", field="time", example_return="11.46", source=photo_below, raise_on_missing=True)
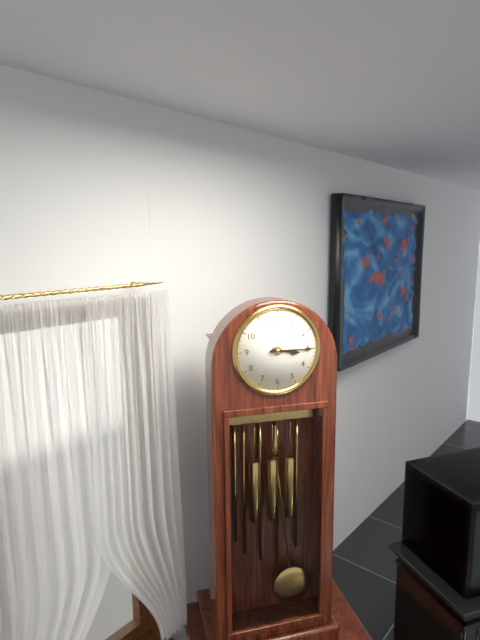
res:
3.15
